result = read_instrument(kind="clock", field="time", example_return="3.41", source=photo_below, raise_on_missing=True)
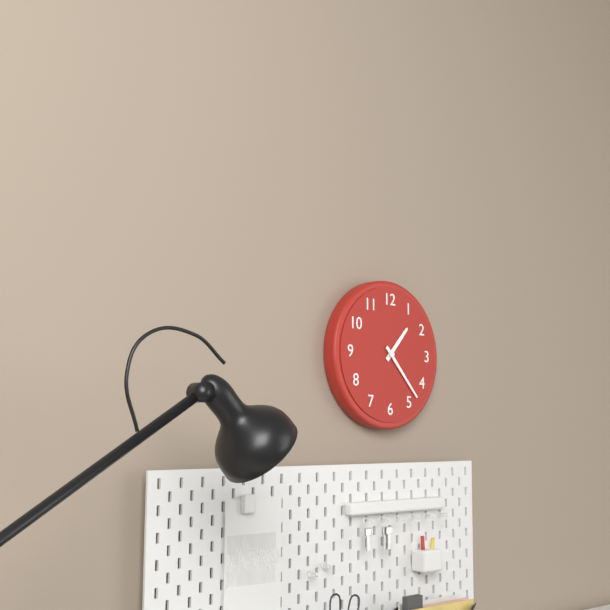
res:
1.23
